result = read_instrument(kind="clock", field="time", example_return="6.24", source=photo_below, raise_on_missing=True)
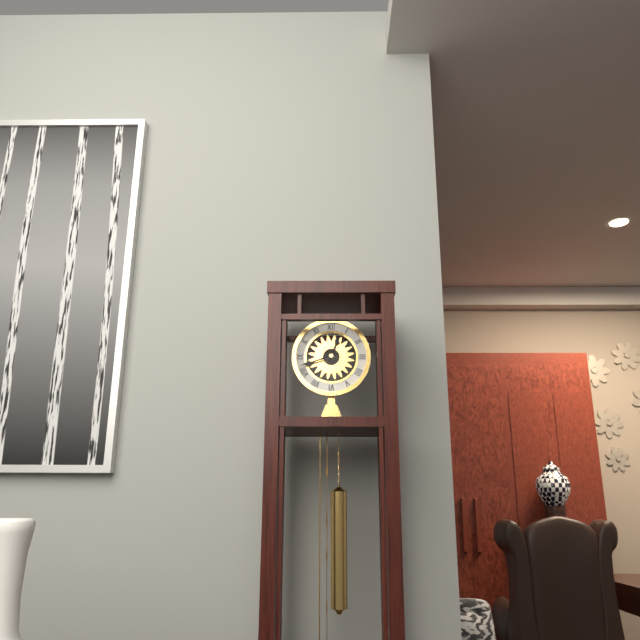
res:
12.42
